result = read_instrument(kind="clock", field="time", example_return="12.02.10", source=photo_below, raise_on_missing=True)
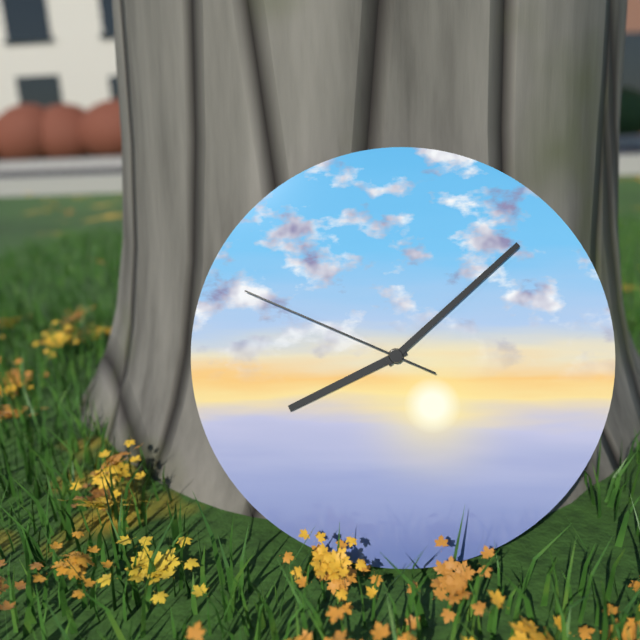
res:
8.08.49
